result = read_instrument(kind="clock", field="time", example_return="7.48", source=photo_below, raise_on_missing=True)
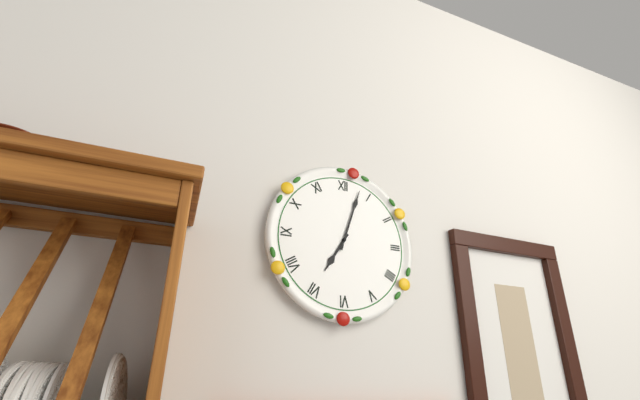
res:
7.03
